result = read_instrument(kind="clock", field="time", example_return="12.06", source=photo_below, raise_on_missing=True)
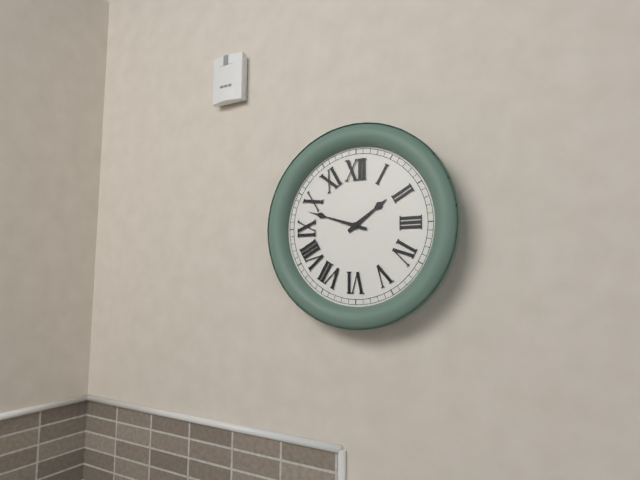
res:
1.48
